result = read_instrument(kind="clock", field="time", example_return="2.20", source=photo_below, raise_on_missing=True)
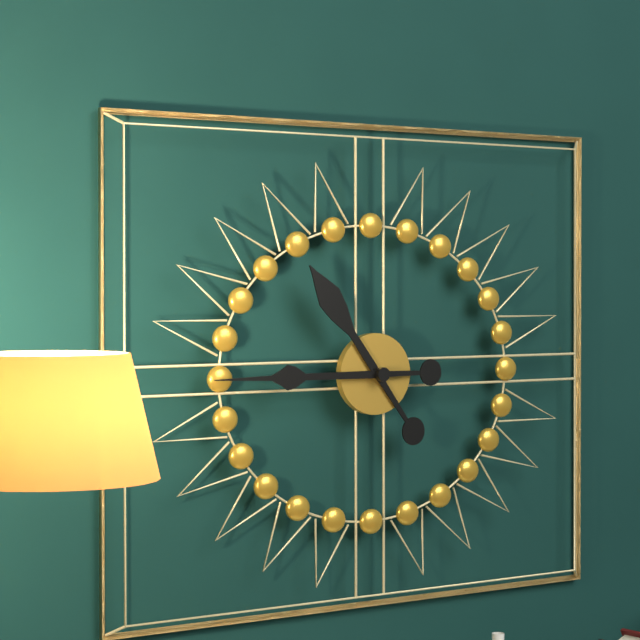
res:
10.45
